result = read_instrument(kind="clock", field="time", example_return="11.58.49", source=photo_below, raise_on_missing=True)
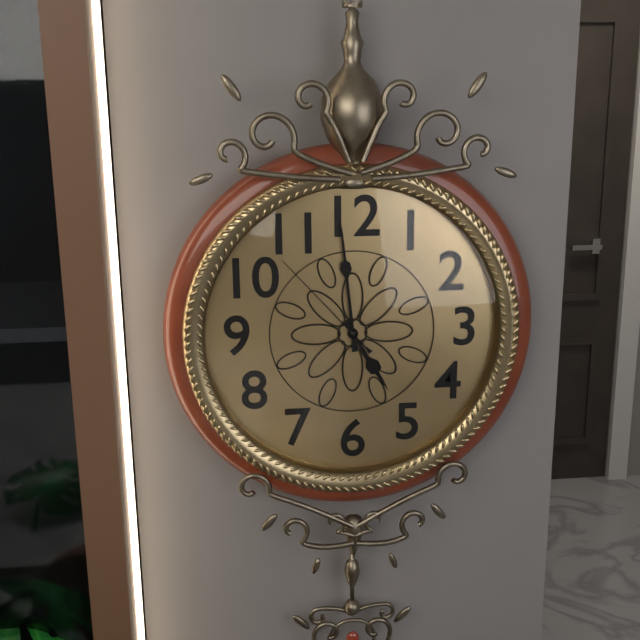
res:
4.59.53
